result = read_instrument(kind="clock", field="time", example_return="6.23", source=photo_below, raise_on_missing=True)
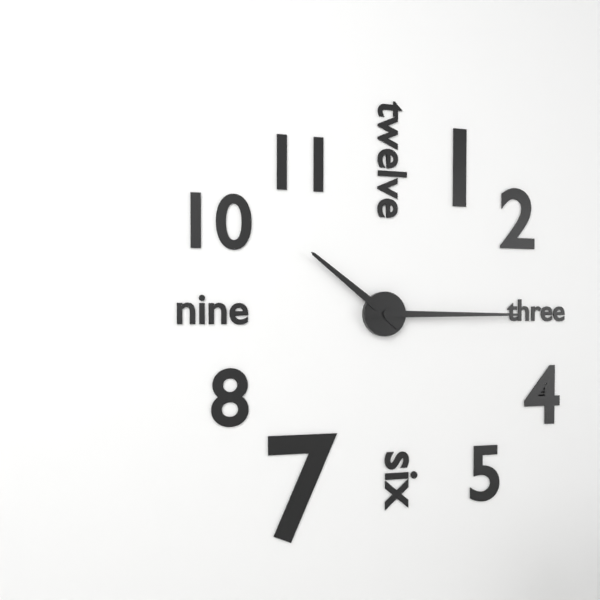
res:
10.15
